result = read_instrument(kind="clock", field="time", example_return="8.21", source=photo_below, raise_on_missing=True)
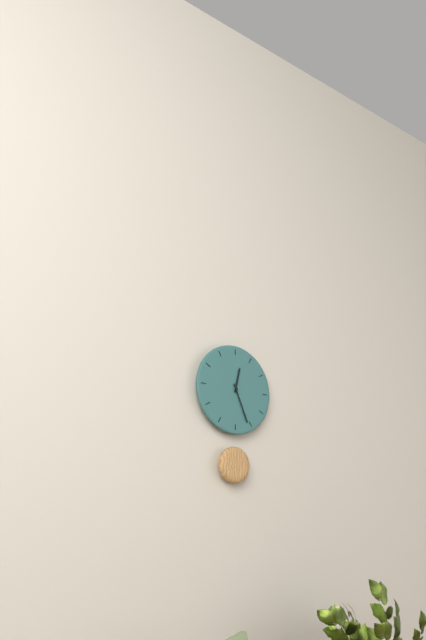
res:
12.26
